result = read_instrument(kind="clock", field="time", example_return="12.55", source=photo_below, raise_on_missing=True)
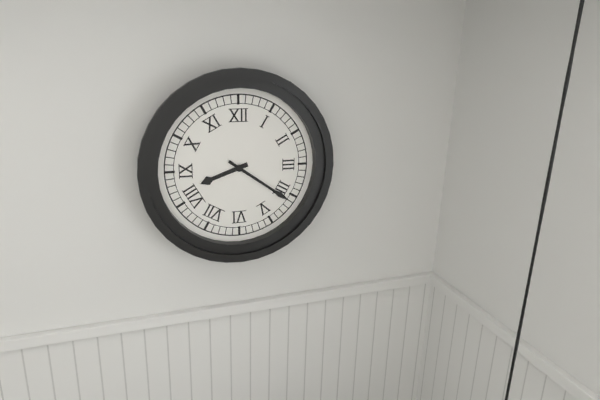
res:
8.21
